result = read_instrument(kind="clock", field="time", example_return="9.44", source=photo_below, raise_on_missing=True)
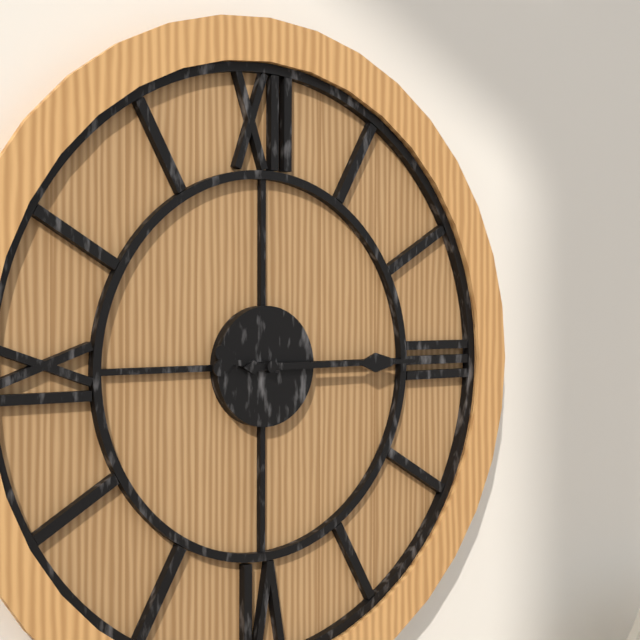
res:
9.15
